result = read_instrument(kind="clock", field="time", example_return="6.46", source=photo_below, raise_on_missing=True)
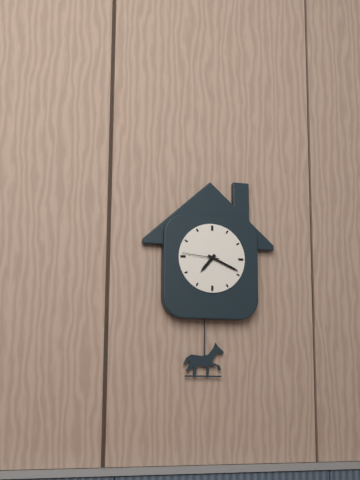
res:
7.19
